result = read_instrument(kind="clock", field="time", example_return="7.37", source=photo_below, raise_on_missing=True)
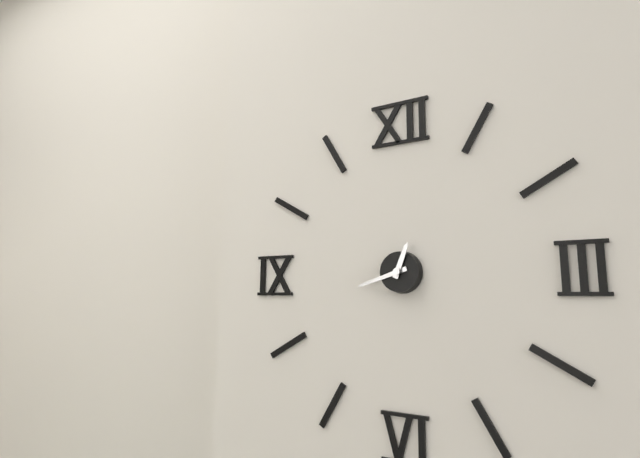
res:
12.42
